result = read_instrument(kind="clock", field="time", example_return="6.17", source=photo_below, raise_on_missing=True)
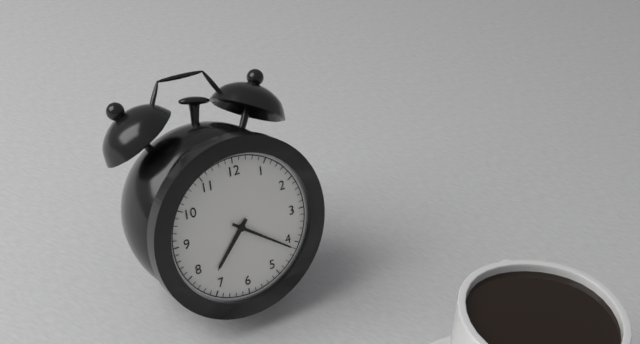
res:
7.21
